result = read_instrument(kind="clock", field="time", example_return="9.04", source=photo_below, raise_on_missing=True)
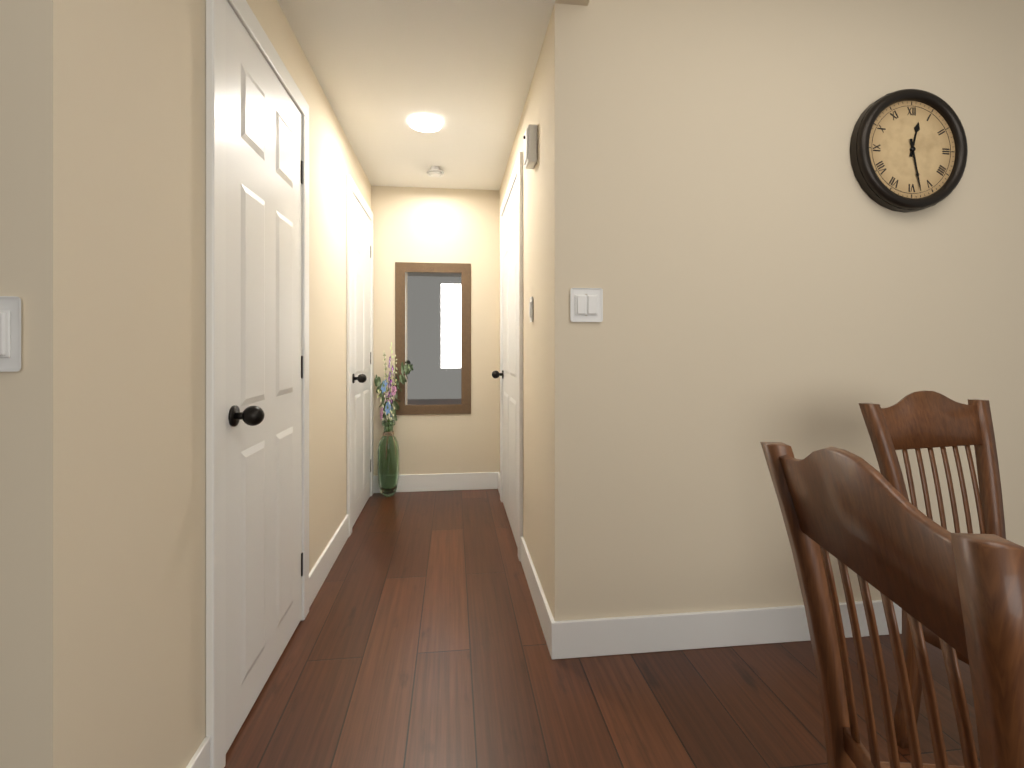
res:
12.28
